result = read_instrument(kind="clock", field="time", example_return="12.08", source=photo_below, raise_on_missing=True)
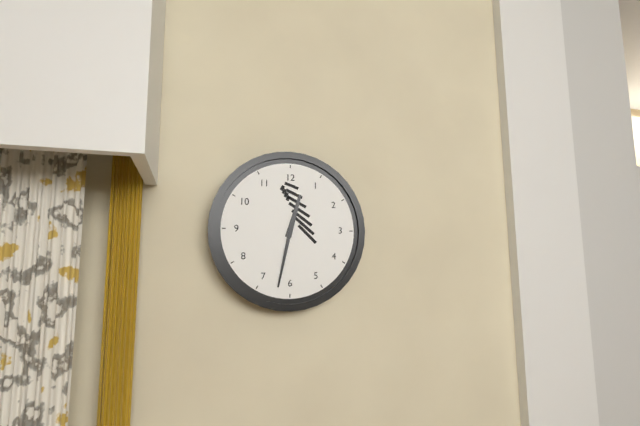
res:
12.32
